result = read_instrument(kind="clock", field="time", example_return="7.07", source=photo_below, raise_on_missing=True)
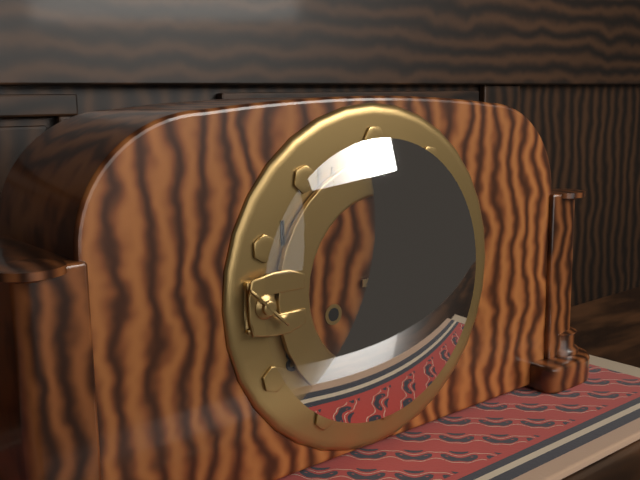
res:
3.04
